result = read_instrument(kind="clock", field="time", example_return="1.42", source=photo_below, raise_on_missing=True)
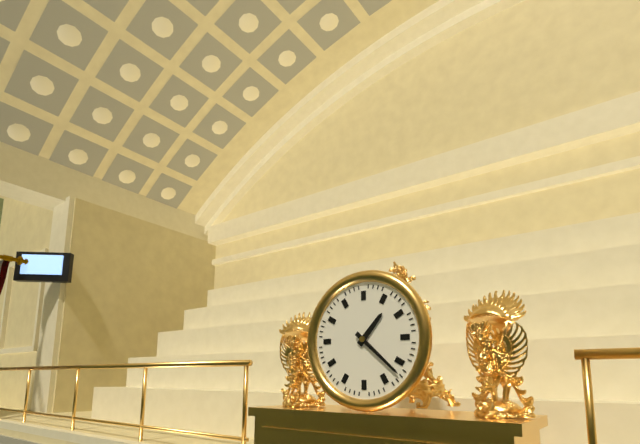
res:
1.22
